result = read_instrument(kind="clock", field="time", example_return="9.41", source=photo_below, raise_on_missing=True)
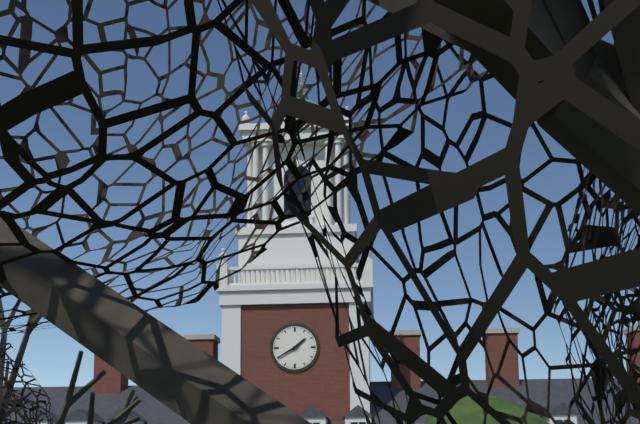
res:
1.40
